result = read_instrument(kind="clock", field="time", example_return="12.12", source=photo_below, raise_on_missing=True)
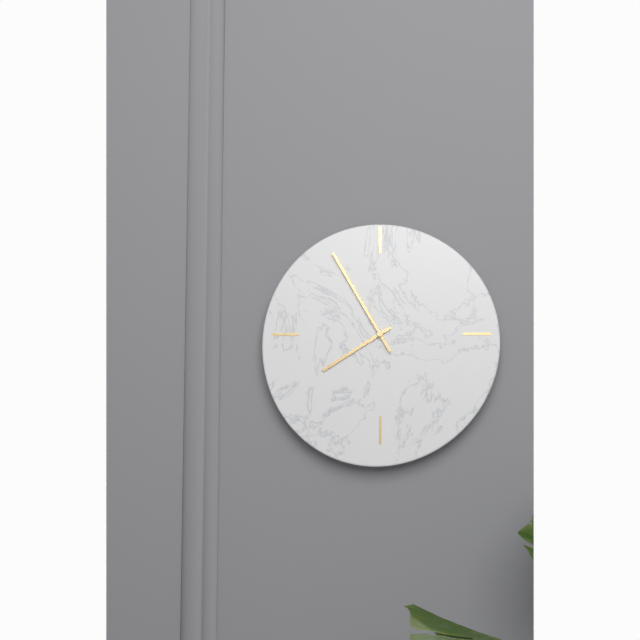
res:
7.55
